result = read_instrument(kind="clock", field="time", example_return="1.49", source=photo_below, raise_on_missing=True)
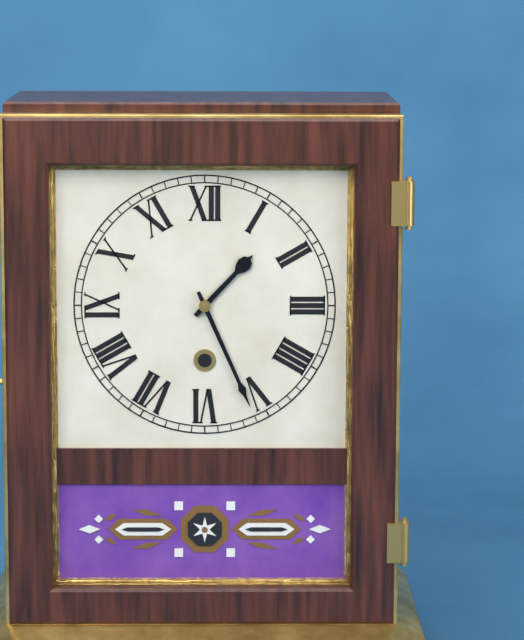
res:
1.26
